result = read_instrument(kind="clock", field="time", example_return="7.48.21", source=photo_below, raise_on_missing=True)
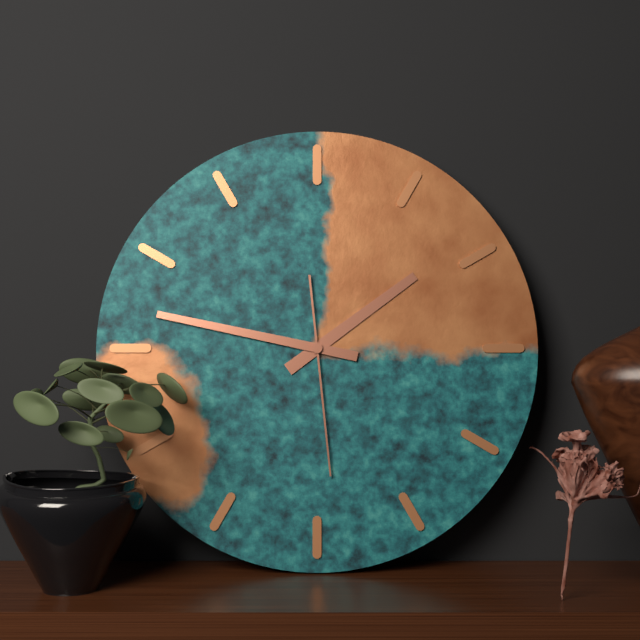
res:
1.47.29
